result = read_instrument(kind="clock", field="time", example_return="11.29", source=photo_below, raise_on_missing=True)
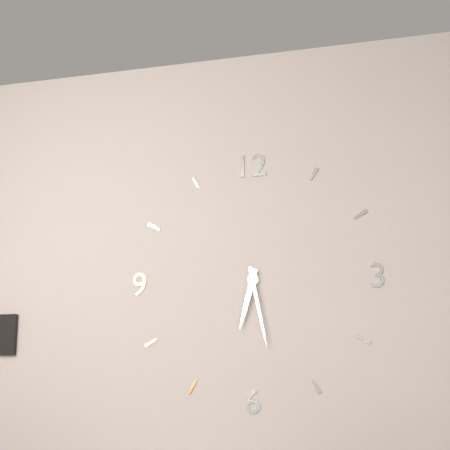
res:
6.28
